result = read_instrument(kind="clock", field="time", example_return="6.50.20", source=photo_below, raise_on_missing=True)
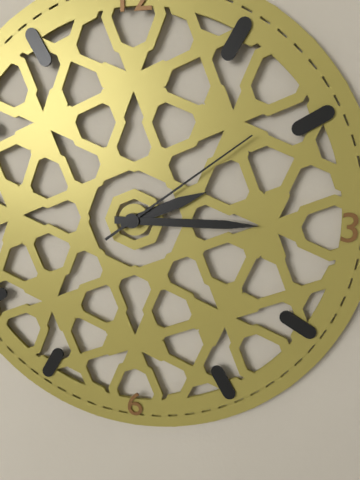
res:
2.15.09
